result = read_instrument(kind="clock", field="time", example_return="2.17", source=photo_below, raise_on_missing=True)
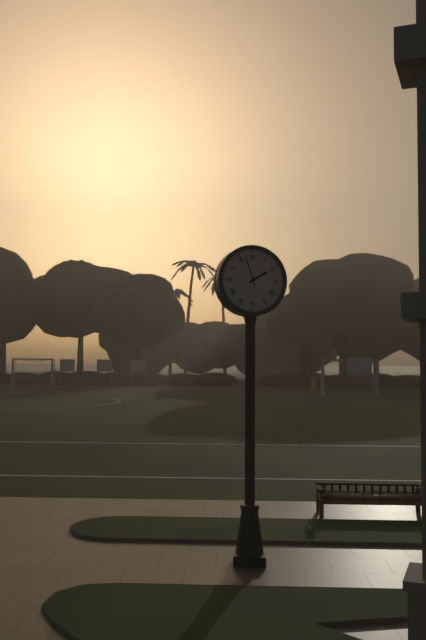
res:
1.57
